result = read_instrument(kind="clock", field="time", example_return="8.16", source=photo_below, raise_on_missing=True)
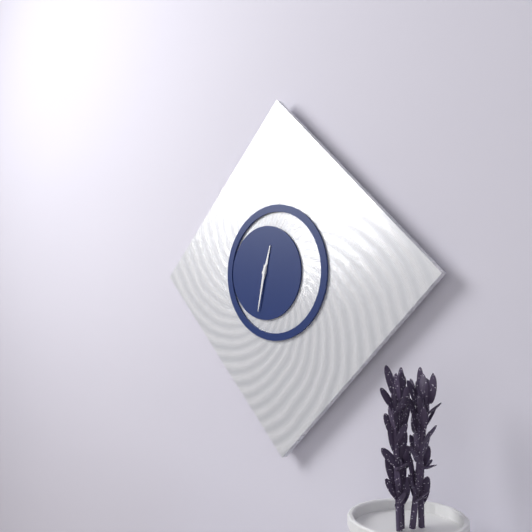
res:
12.32
